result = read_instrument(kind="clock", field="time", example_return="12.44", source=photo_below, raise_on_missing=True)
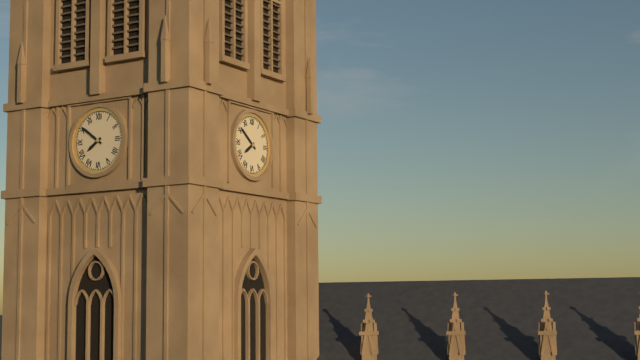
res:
7.51
